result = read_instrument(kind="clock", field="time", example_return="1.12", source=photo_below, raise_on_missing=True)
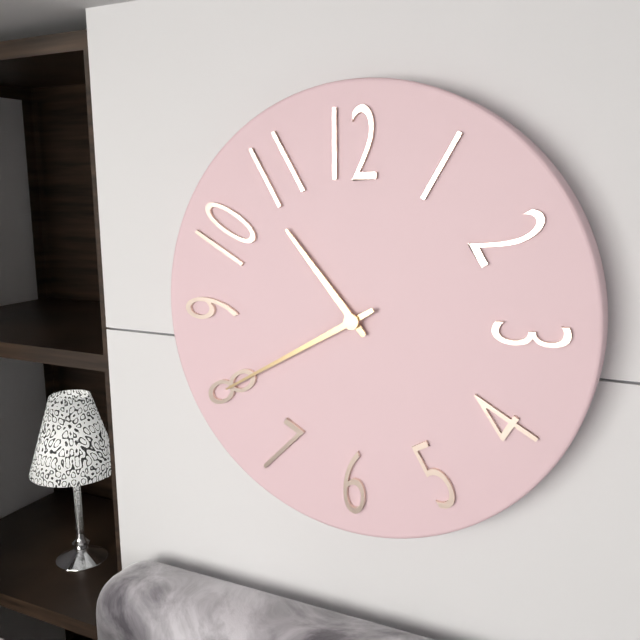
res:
10.40
